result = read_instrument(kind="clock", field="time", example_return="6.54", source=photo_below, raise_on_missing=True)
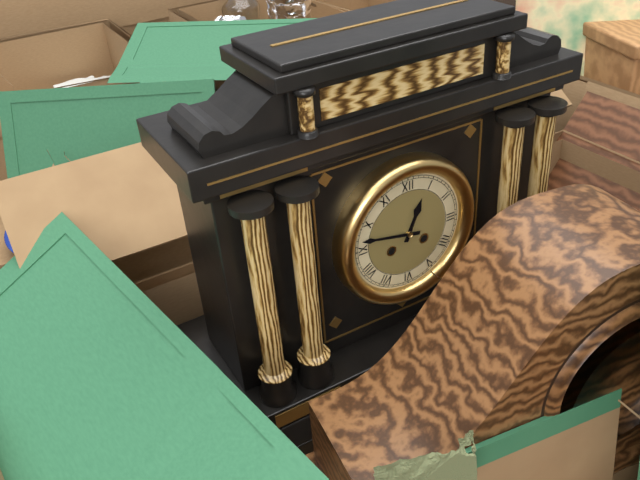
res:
12.47
